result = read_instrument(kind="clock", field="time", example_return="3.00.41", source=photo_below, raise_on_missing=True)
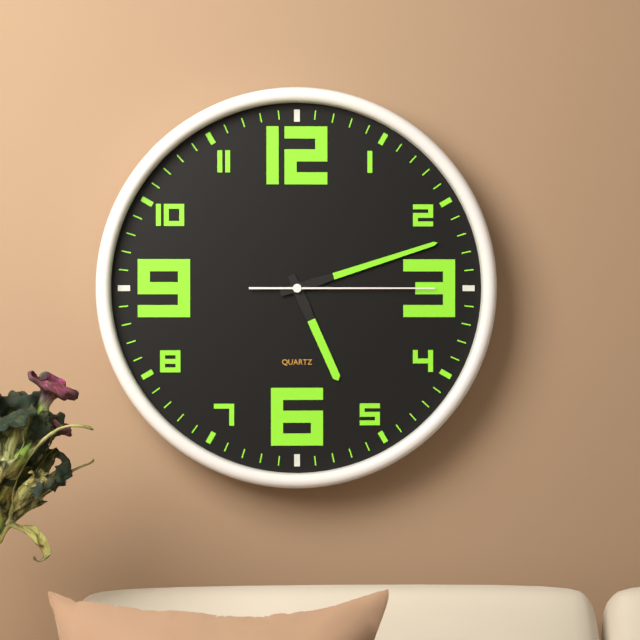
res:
5.12.15
